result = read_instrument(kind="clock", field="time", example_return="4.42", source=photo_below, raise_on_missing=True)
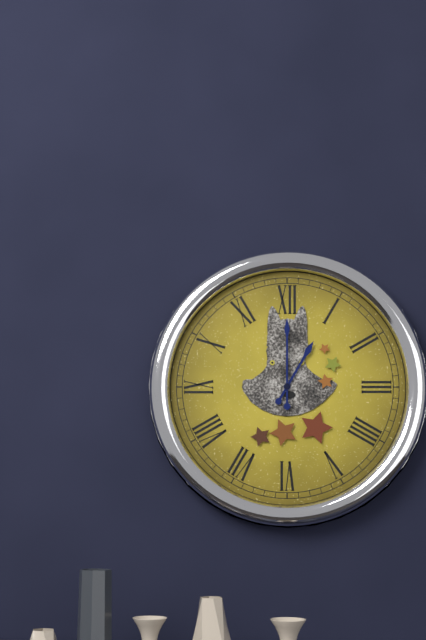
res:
1.00
